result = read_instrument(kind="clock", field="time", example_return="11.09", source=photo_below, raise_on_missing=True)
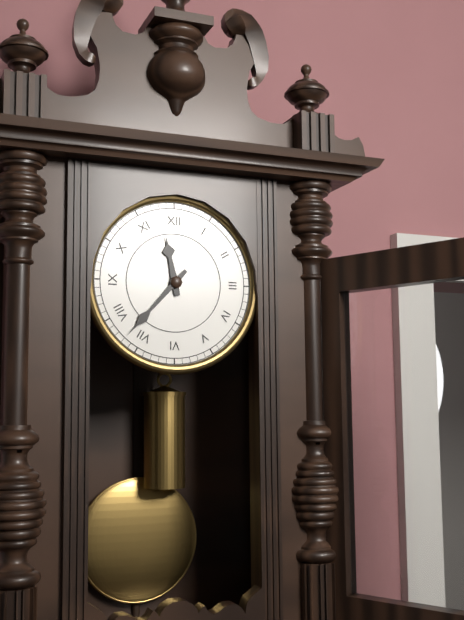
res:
11.37
